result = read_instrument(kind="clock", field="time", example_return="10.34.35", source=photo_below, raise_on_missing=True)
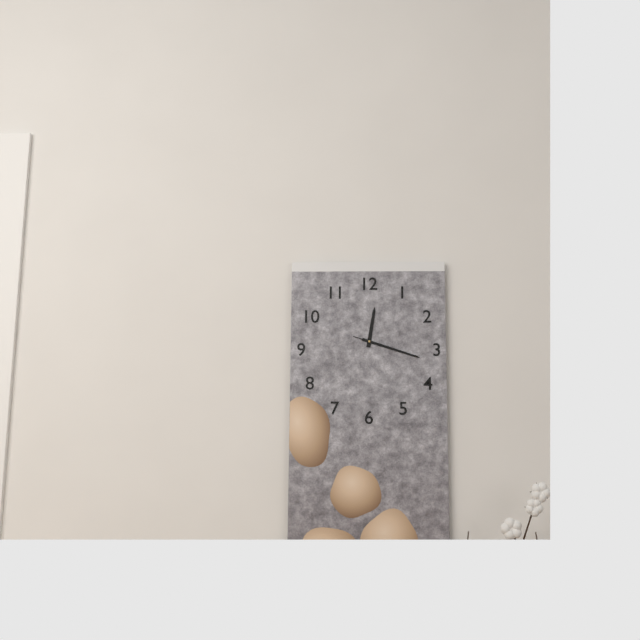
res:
12.18.18
